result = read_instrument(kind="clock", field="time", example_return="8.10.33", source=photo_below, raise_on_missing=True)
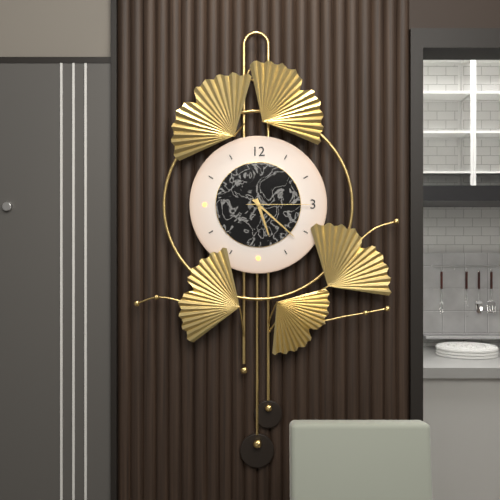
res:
5.22.15
